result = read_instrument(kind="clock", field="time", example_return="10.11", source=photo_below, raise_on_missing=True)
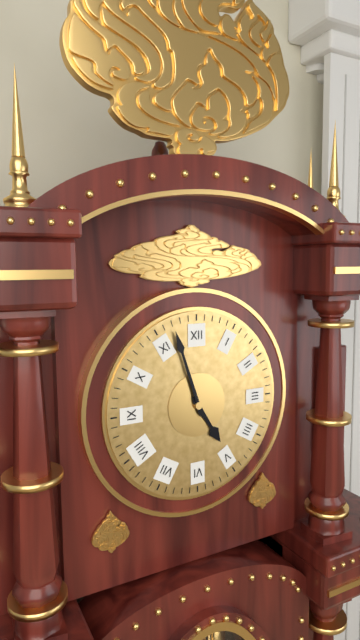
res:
4.57
